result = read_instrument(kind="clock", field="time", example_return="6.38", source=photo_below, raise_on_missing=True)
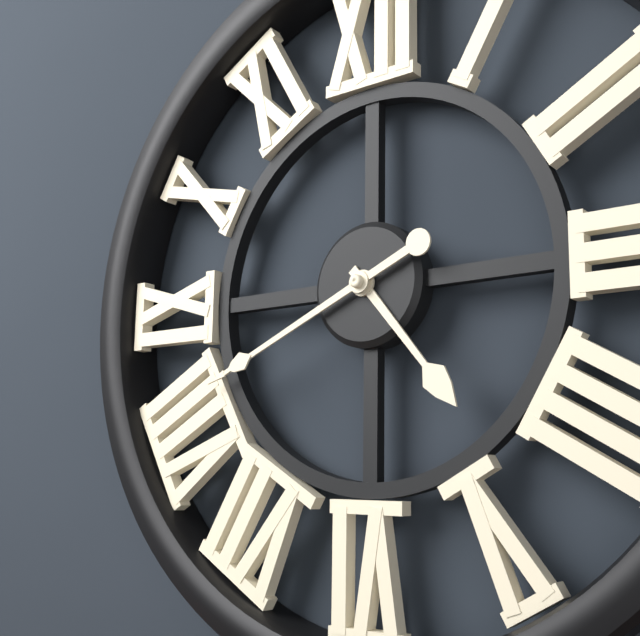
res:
4.41
